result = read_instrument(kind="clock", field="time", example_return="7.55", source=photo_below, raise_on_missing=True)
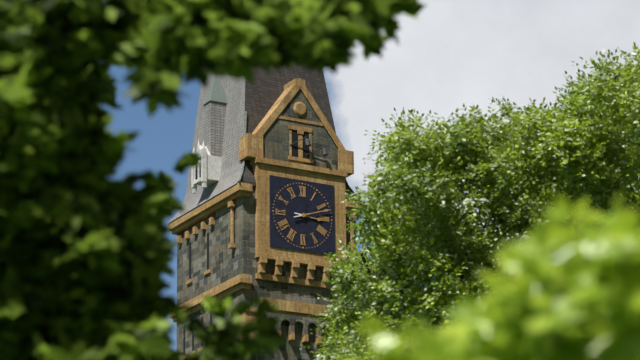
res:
3.12
